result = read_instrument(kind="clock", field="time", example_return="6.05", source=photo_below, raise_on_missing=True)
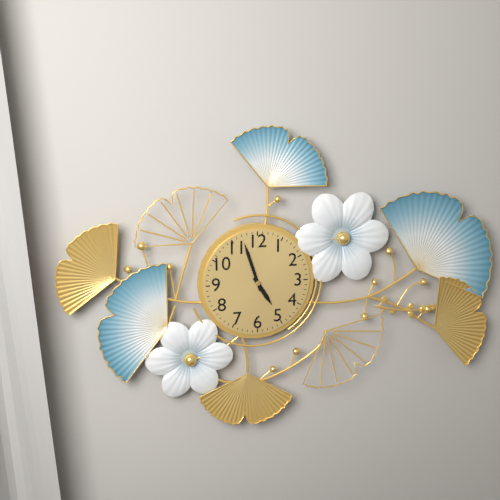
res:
4.57
